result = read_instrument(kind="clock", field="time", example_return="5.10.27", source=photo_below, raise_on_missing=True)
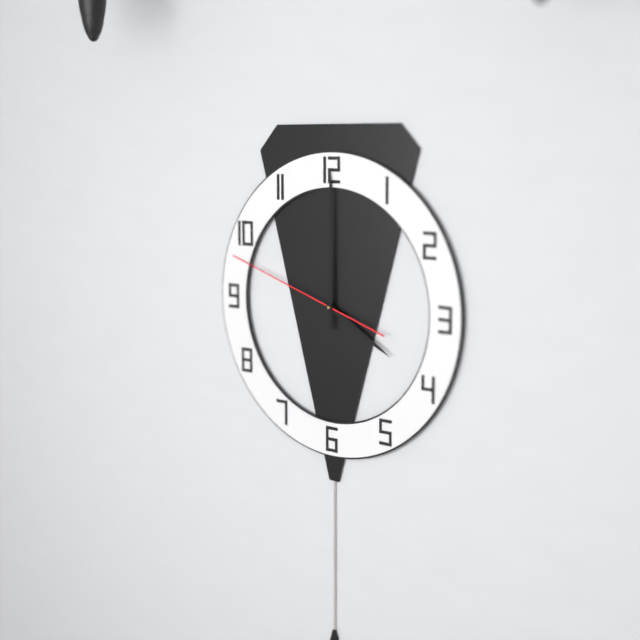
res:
4.00.48
